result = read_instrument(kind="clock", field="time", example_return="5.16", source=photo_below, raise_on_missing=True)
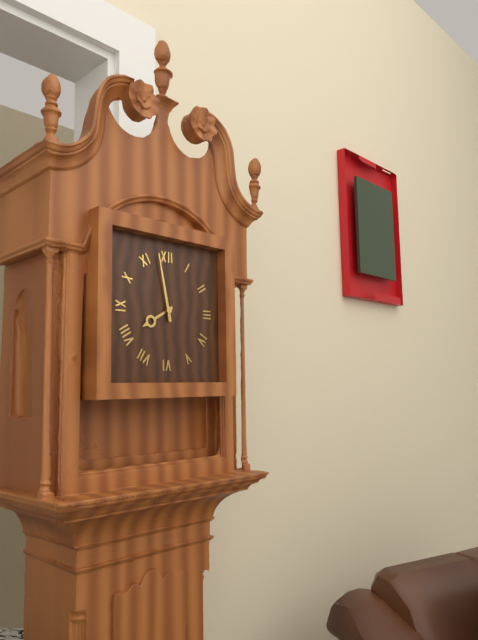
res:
7.58
